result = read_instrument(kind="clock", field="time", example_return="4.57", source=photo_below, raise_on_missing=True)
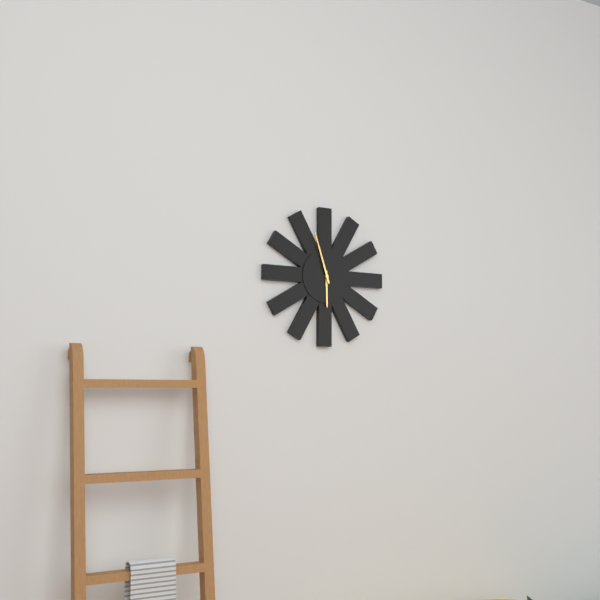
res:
5.57
